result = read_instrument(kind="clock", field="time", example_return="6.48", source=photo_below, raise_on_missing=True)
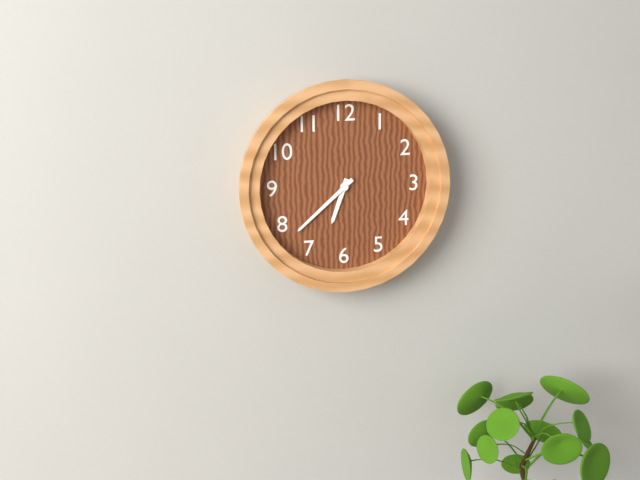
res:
6.38
